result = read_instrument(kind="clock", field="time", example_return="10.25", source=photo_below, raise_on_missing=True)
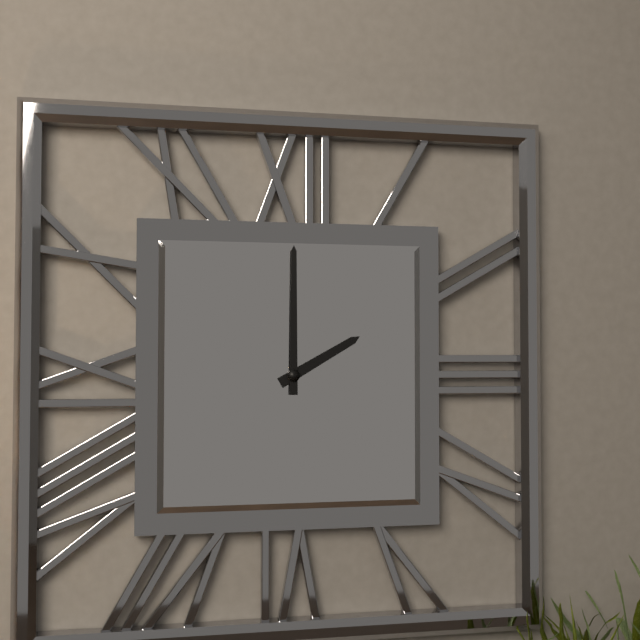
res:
2.00
